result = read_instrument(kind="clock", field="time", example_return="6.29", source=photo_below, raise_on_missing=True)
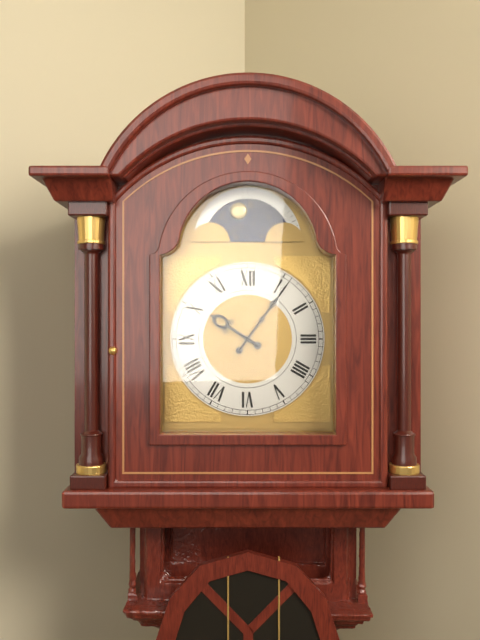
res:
10.06
